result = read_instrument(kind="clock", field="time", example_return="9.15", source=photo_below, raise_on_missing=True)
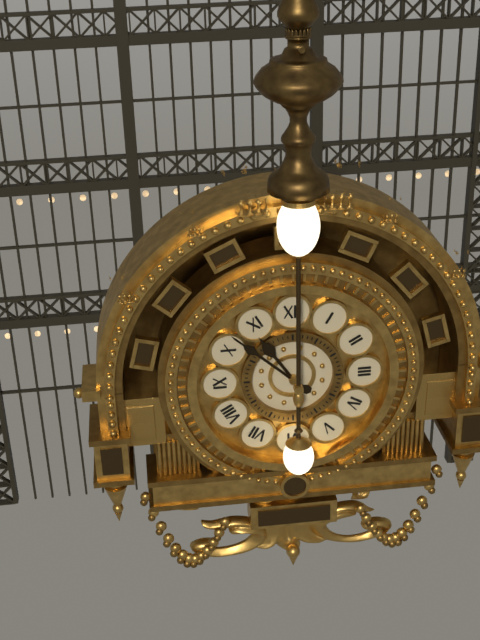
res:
10.52
